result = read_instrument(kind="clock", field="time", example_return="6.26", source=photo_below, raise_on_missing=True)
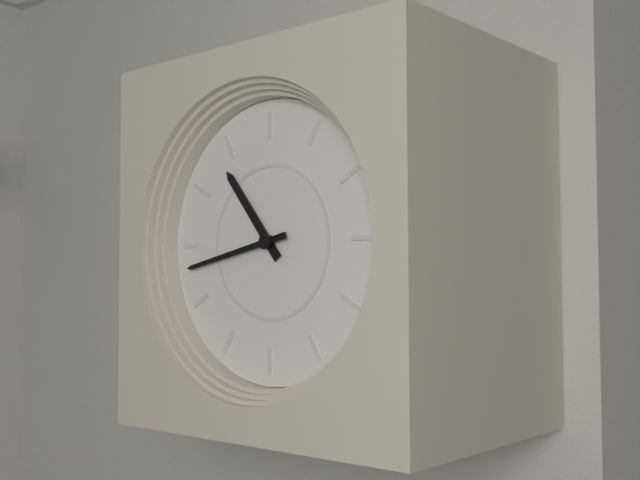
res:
10.43
